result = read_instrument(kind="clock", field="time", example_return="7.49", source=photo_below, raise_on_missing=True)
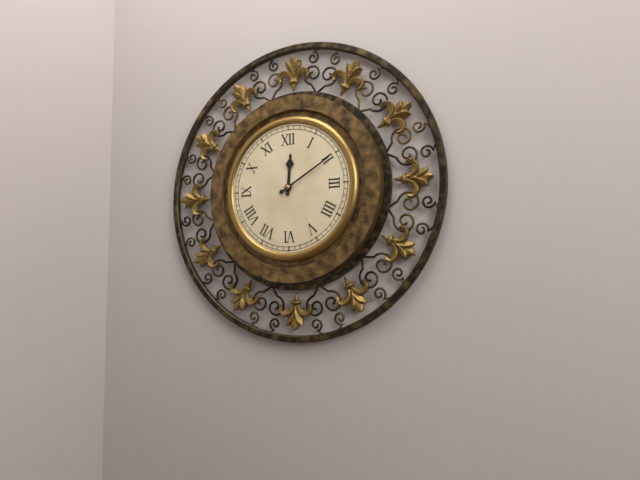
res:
12.10
